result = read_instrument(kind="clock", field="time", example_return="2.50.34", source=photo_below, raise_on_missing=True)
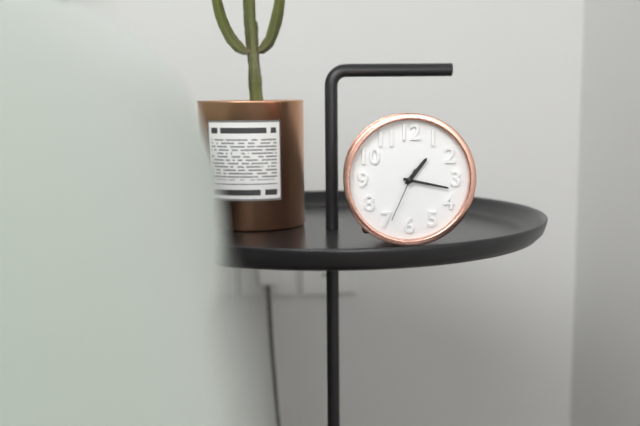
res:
1.17.34
